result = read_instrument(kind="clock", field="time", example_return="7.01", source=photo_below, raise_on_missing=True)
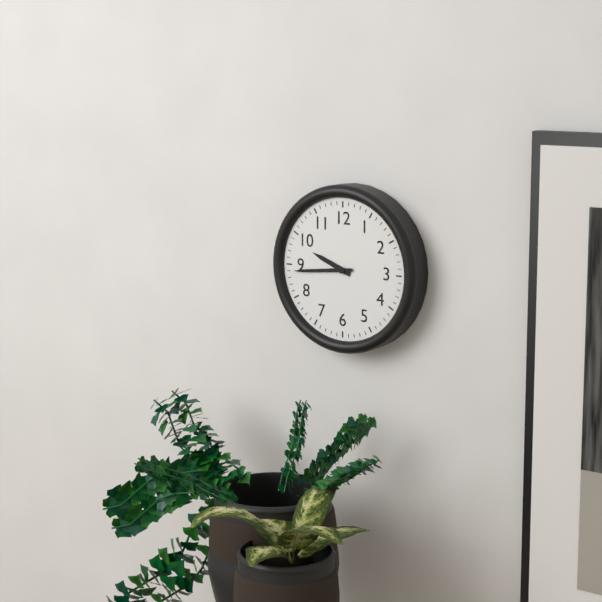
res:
9.44
